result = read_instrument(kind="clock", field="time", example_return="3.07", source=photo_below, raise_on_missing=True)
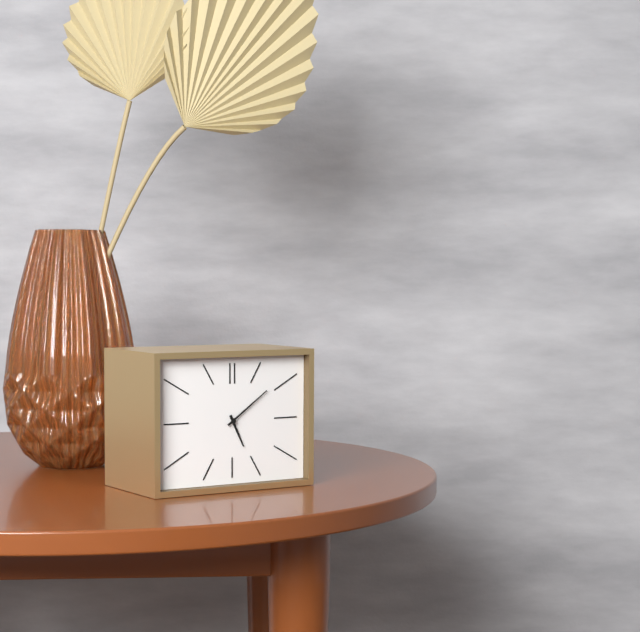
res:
5.09
